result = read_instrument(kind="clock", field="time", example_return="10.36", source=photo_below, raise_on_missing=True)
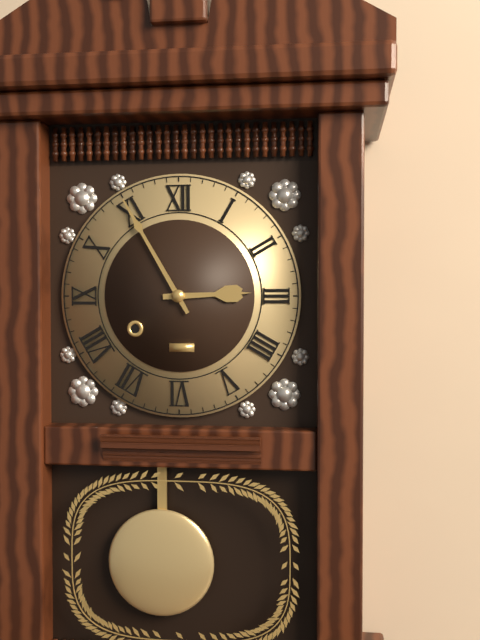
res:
2.55
